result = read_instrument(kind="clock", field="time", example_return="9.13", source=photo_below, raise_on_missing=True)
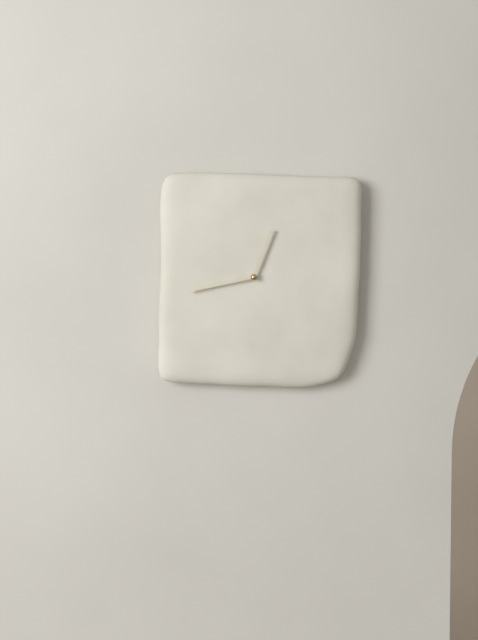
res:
12.43
